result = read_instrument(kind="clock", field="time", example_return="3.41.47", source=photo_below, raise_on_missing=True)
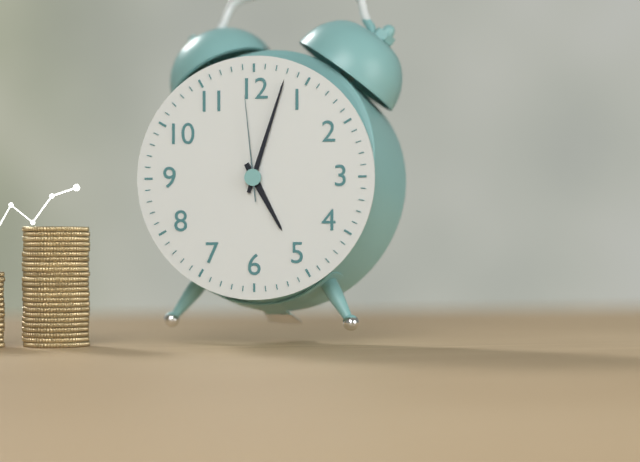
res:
5.03.59
